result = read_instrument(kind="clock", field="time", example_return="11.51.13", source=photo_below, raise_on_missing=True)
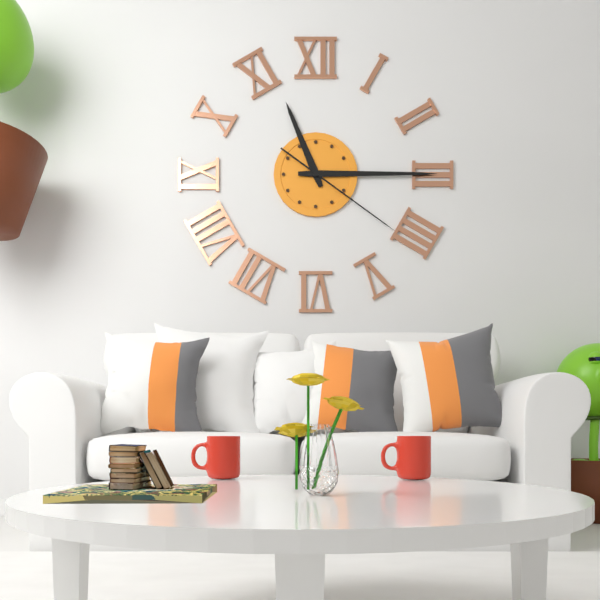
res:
11.15.21
